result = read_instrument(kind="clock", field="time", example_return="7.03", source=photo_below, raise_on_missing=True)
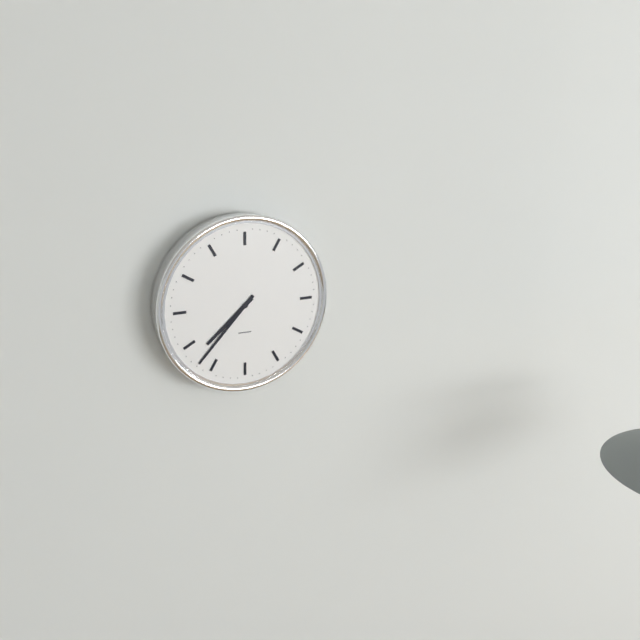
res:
7.37
